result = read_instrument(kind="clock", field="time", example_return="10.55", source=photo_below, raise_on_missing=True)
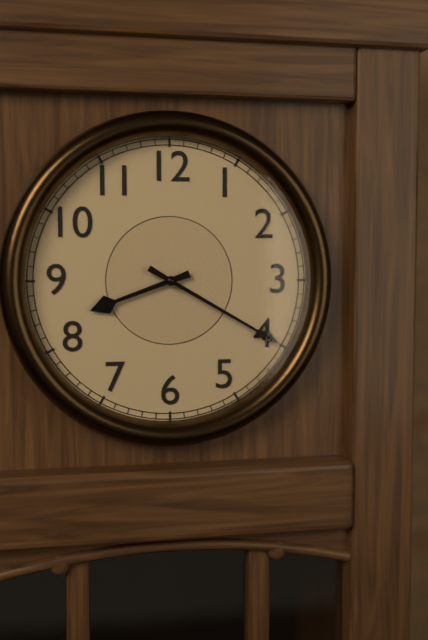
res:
8.20
